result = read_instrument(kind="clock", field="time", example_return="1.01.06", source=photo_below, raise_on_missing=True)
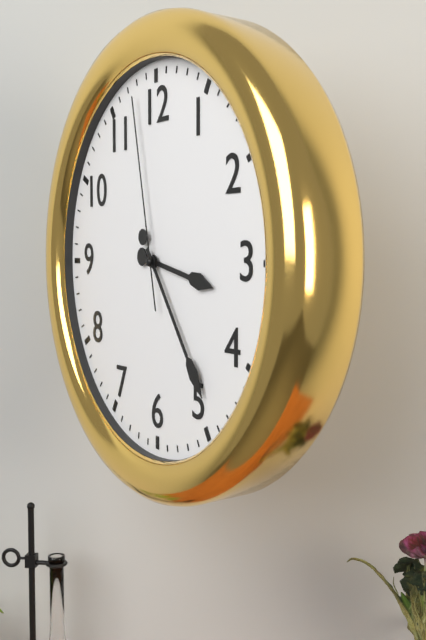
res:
3.24.58
